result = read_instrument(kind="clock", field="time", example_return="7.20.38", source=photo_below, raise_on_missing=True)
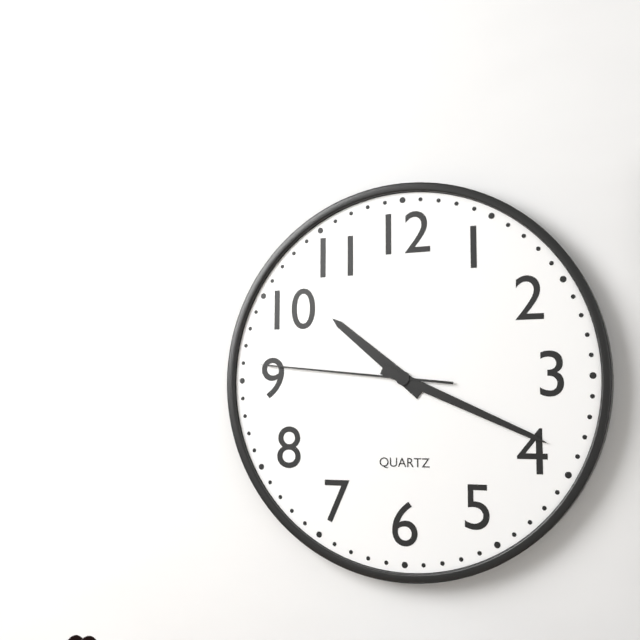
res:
10.19.46
